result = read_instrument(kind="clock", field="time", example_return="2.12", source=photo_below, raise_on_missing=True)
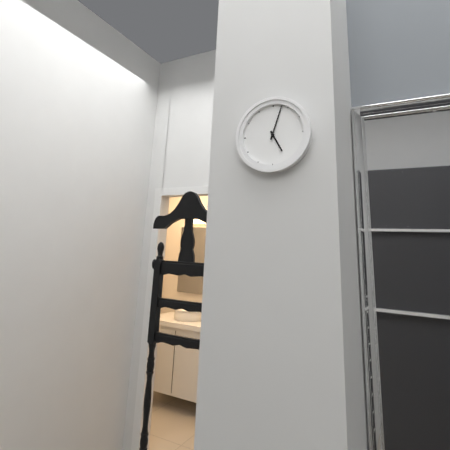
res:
5.03
